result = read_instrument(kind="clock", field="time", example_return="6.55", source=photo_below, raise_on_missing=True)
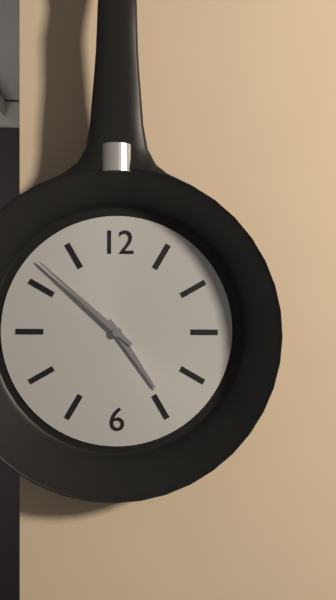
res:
4.52
